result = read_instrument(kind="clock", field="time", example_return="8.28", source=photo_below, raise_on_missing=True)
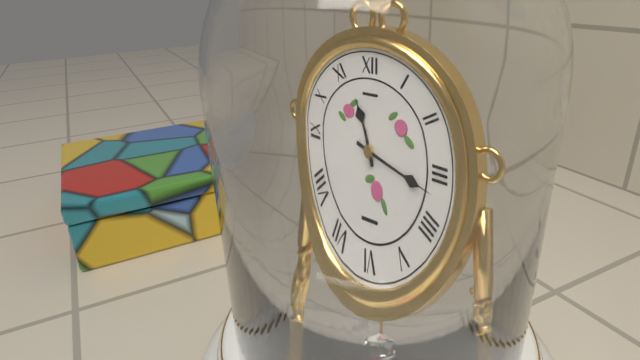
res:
11.17
